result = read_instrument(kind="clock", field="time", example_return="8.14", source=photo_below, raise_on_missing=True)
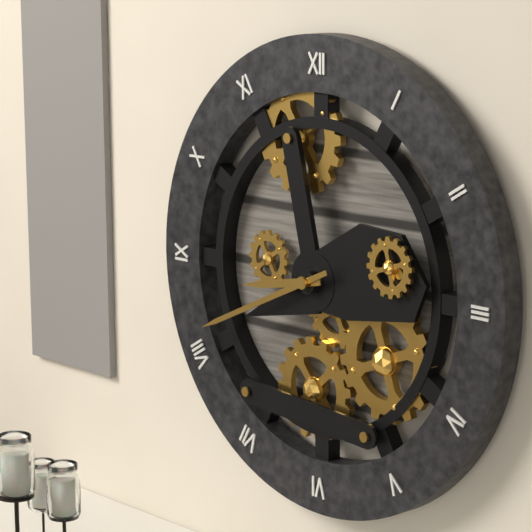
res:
8.41
